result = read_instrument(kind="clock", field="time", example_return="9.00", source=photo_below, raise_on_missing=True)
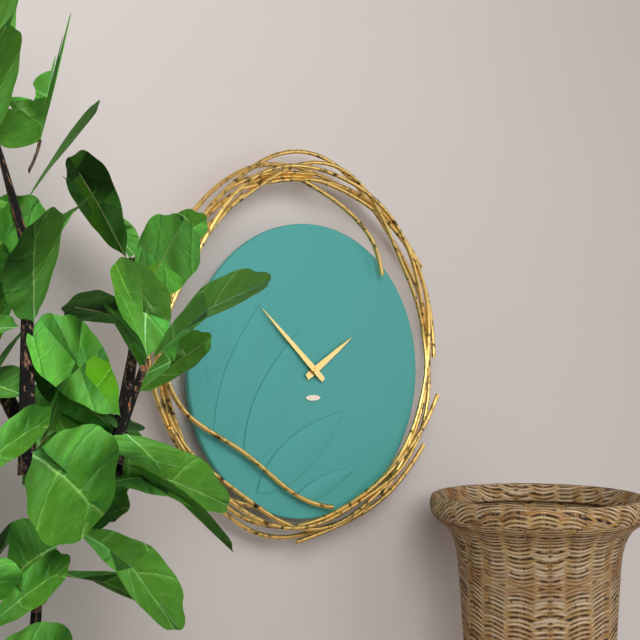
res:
1.52
